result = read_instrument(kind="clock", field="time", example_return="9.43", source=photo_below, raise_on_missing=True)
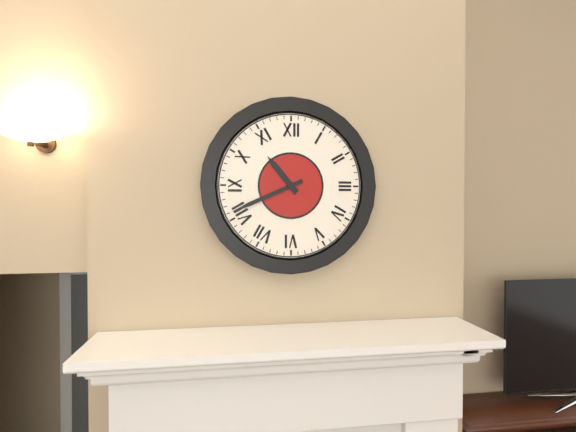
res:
10.41
